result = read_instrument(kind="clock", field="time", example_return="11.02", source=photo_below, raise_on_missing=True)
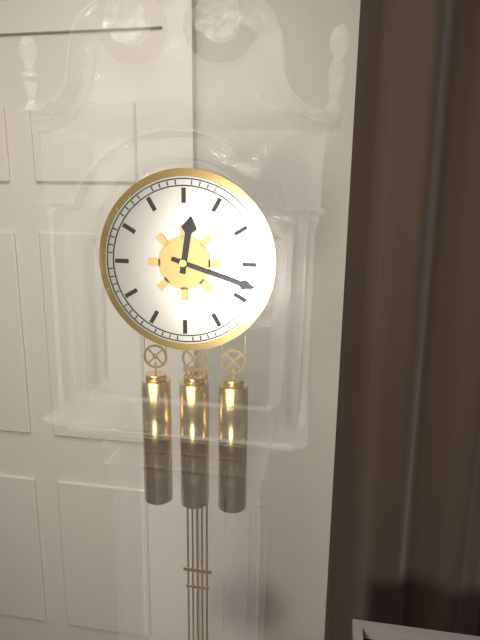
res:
12.18
